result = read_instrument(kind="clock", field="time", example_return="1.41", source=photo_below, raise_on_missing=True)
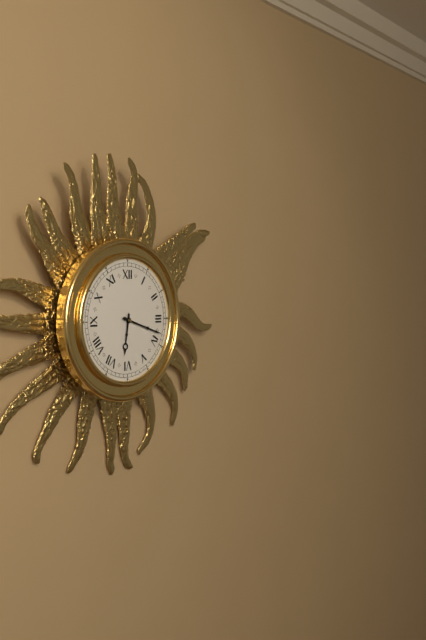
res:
6.18
